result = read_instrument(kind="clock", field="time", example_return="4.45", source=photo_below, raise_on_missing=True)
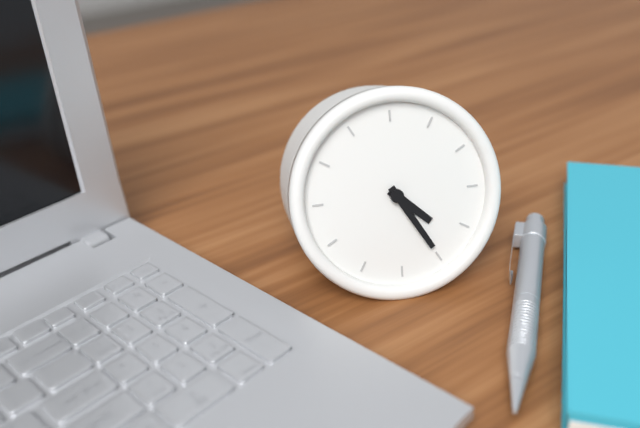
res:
4.25
